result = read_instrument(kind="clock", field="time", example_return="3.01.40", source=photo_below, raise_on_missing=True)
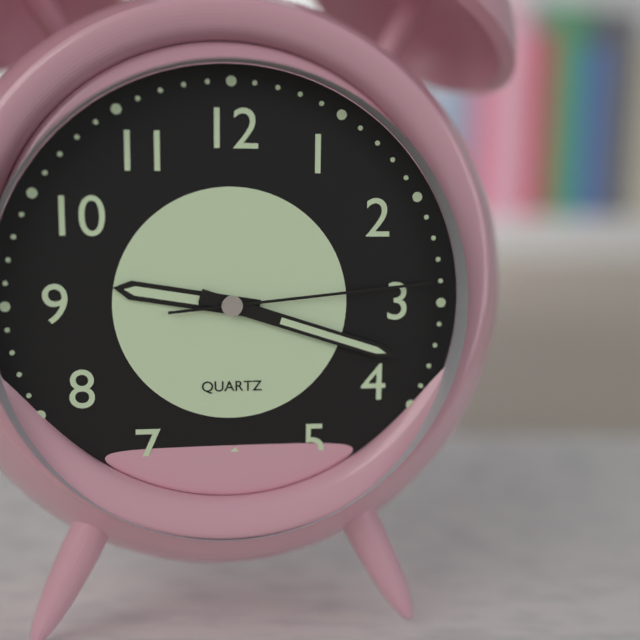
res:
9.18.14
